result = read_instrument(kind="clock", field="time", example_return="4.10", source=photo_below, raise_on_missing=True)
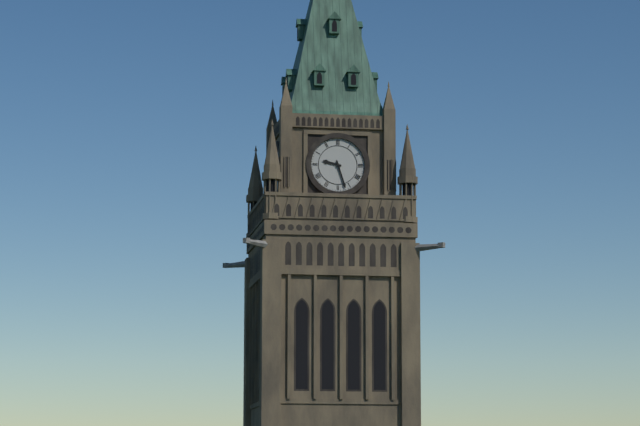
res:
9.27
